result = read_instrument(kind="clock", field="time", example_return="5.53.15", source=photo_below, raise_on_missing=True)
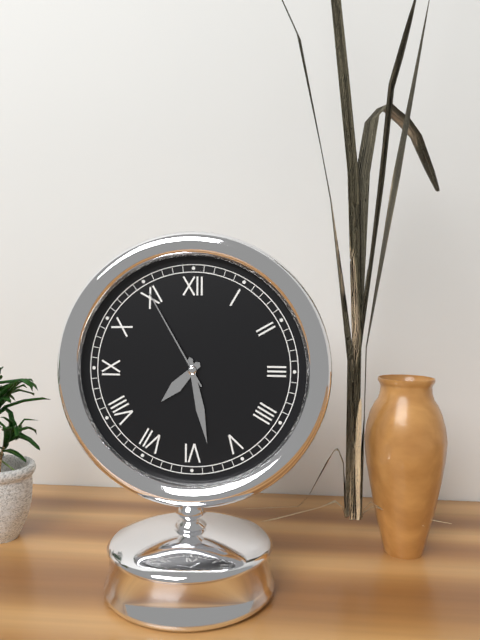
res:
7.28.55
